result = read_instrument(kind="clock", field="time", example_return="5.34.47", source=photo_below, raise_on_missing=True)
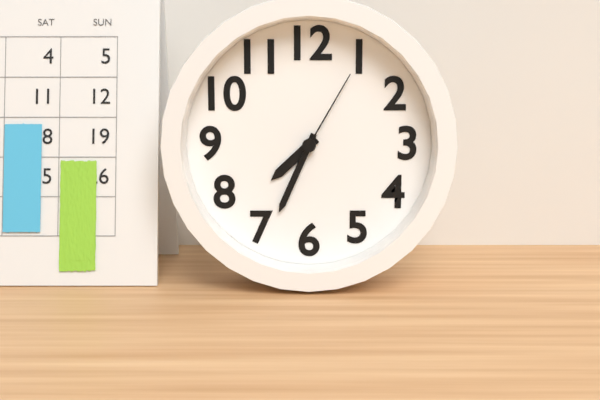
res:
7.34.05
